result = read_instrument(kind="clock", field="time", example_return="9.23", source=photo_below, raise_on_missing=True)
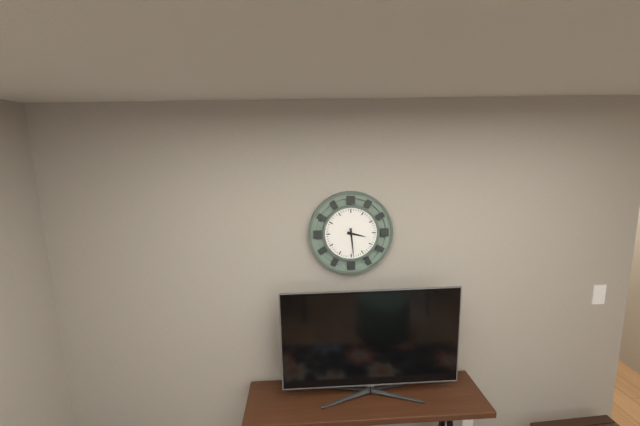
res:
3.29
